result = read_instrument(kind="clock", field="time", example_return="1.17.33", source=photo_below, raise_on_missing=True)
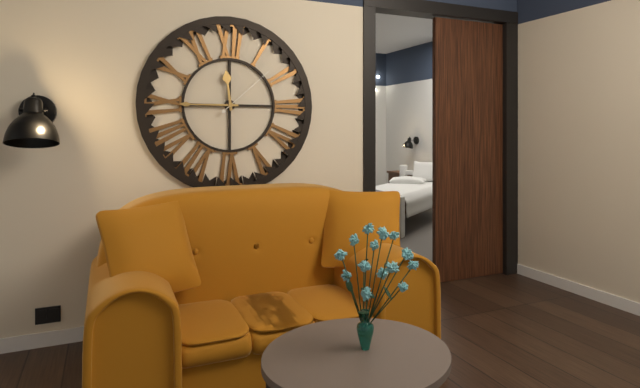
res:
11.45.08
